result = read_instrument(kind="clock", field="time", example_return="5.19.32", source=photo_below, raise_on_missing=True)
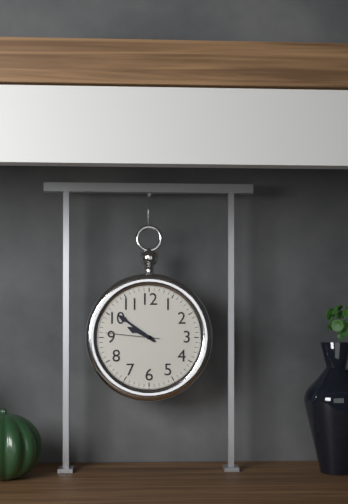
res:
9.51.46
